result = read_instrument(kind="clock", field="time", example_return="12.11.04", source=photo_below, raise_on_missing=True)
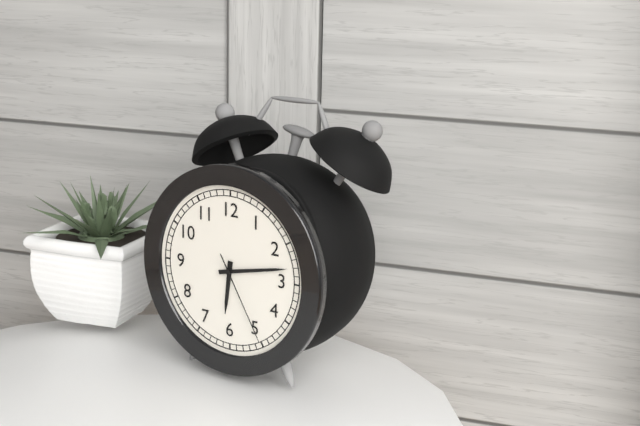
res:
6.13.25
